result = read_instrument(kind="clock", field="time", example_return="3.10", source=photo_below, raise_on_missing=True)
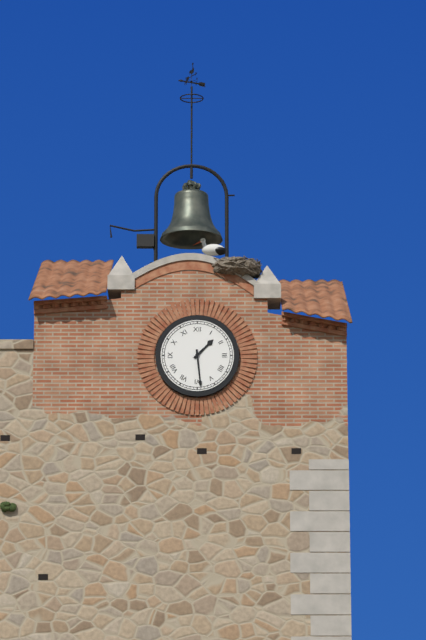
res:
1.29
